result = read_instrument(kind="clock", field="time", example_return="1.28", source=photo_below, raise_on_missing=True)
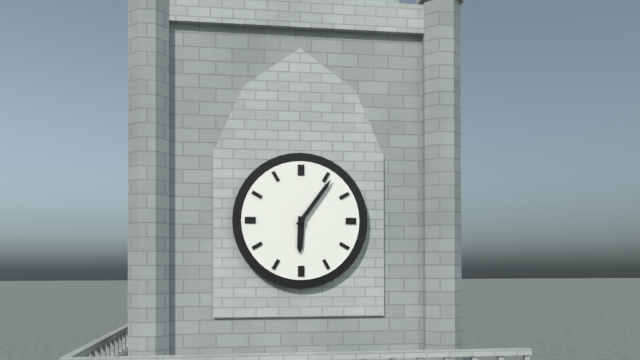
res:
6.06
